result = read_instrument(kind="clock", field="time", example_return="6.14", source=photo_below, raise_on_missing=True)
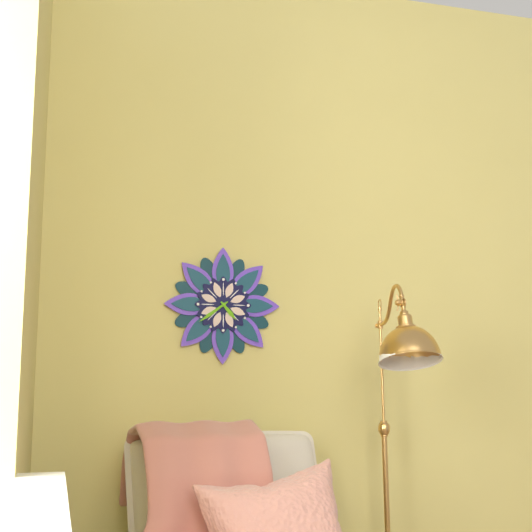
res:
4.39
